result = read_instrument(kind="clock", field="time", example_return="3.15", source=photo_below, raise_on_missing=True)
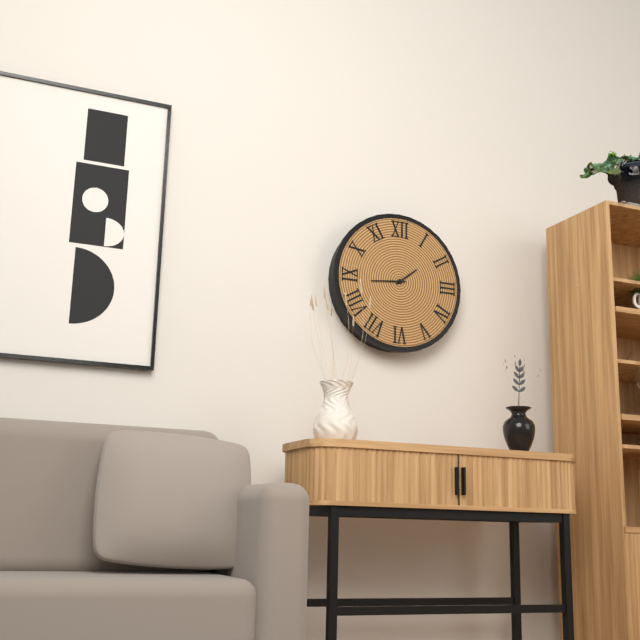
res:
1.44
